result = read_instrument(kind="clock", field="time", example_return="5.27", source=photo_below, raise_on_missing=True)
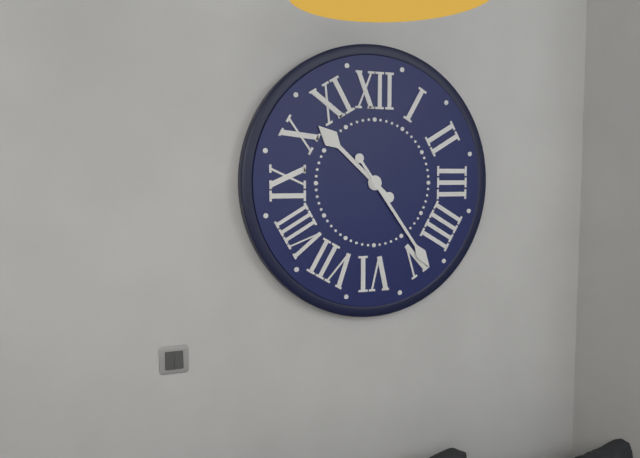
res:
10.24
